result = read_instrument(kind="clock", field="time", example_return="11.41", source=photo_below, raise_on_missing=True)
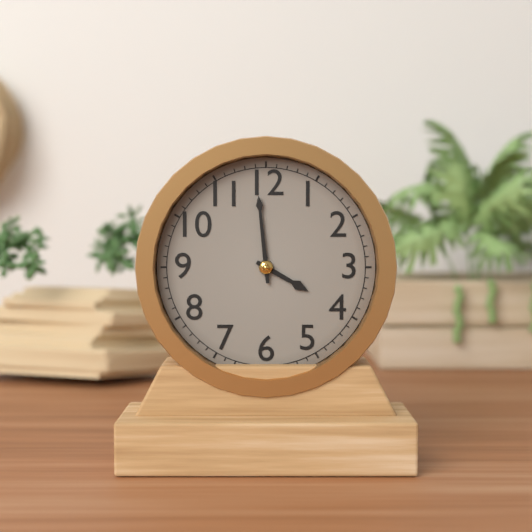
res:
3.59
